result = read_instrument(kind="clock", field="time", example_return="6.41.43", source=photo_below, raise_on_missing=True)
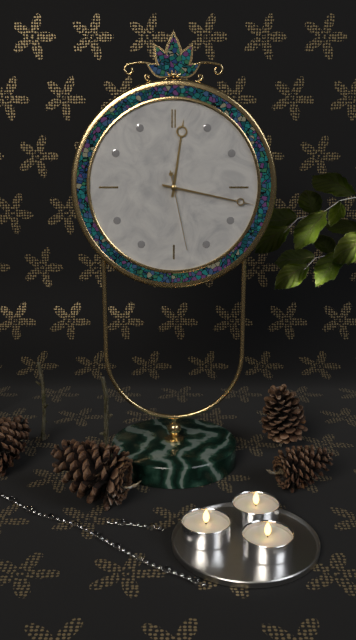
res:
12.17.28
